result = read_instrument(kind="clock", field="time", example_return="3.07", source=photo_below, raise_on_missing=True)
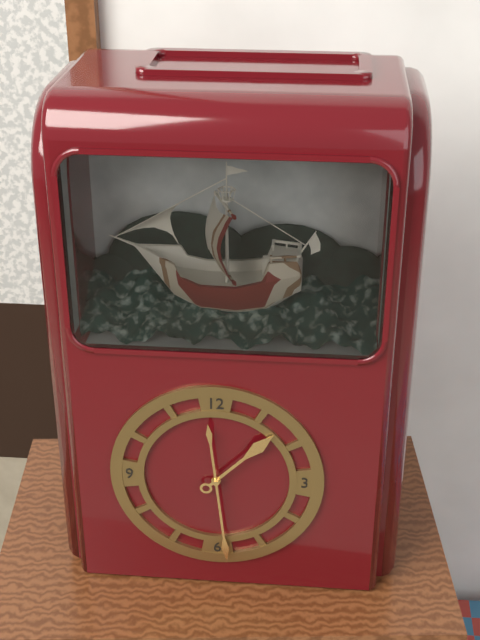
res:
1.29
